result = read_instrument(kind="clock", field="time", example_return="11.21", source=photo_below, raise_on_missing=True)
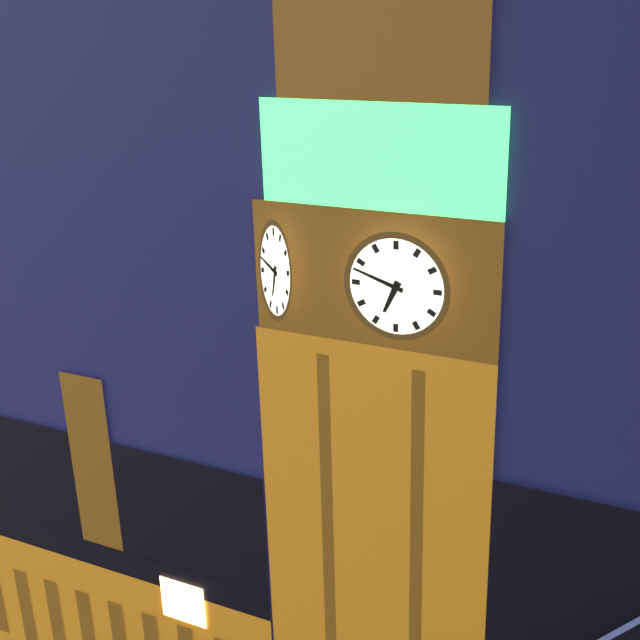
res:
6.48
